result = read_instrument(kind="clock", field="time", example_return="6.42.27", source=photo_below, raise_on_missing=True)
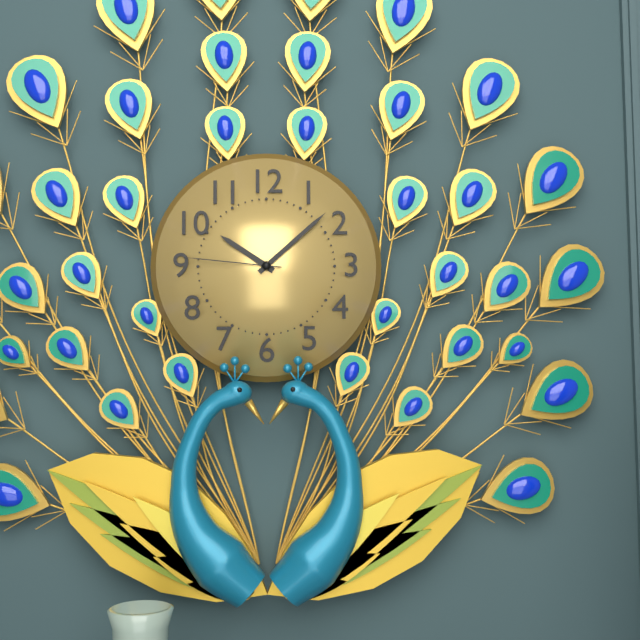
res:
10.08.46
